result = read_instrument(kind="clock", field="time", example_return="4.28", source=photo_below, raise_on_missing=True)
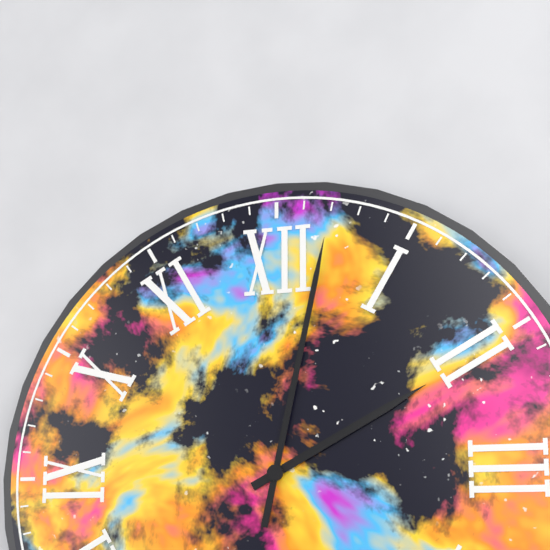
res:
2.02
